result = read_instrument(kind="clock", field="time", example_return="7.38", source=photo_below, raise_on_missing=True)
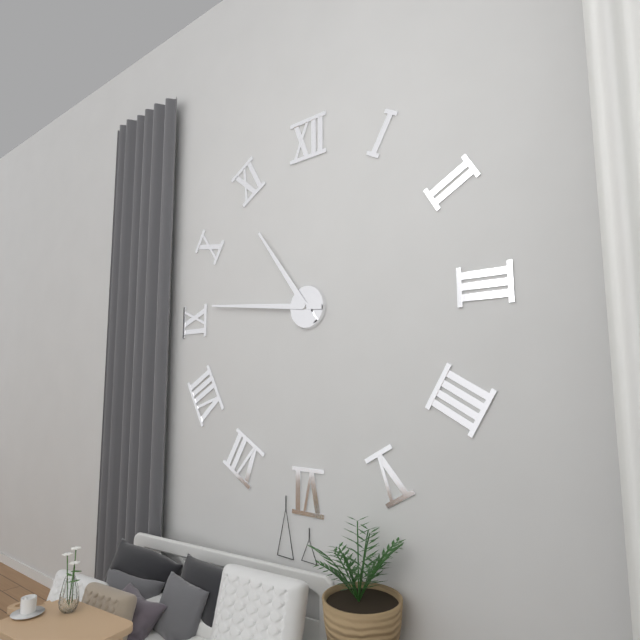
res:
10.46
